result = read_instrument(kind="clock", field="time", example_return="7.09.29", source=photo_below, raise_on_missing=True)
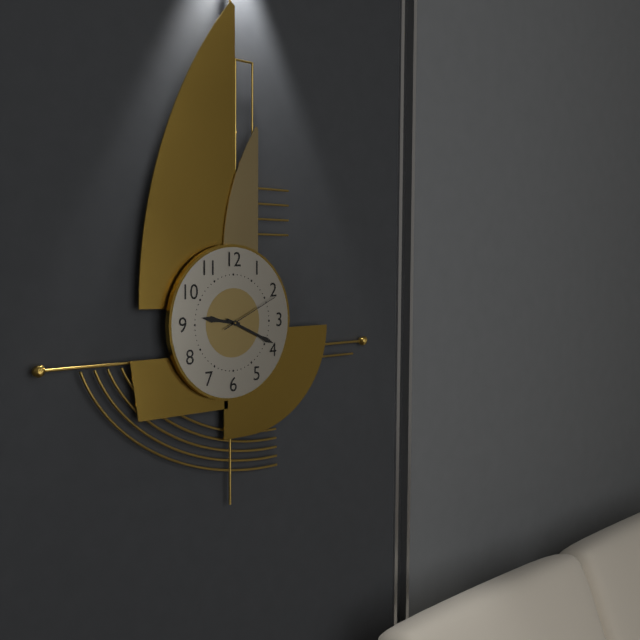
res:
9.19.11
